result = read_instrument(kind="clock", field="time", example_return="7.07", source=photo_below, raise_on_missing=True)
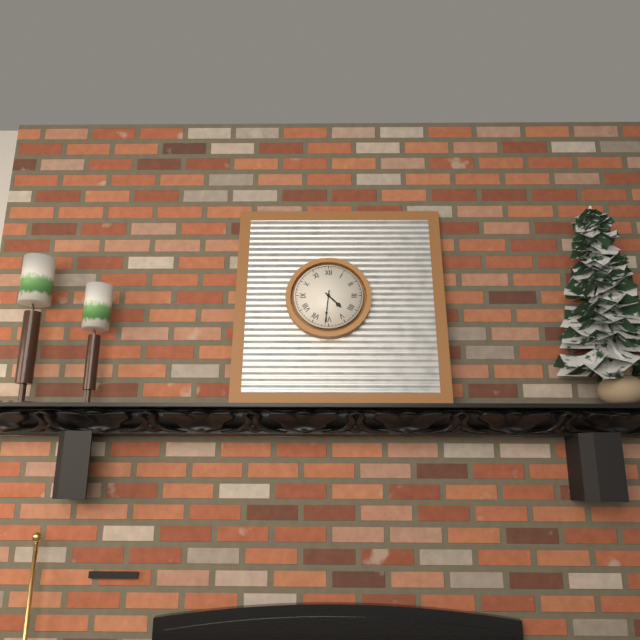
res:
4.31
